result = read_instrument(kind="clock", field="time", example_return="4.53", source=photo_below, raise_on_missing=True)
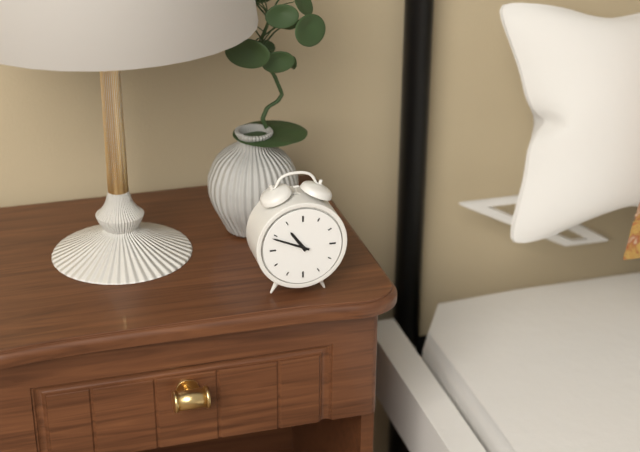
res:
10.49
